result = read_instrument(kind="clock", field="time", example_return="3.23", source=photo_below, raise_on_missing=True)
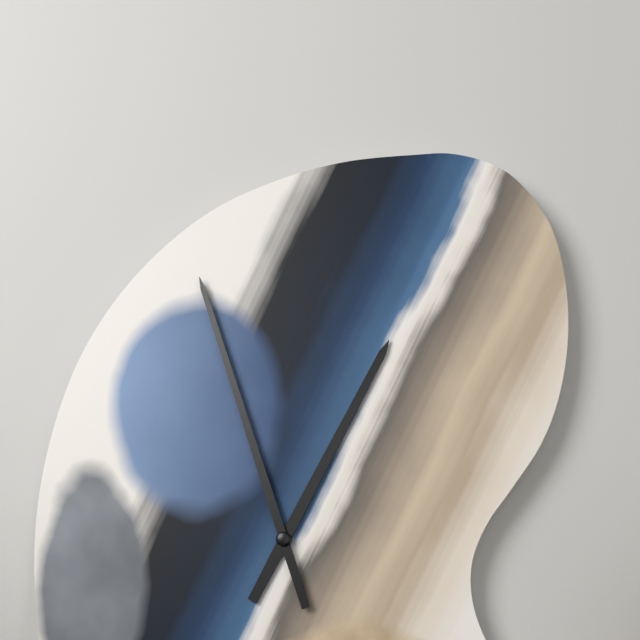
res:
12.57
